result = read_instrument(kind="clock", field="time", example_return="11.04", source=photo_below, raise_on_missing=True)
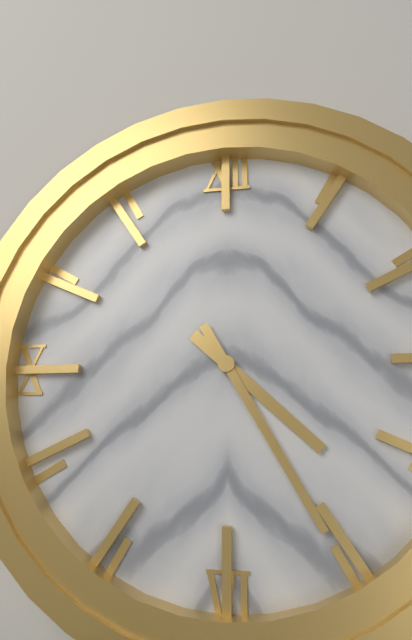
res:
4.25
